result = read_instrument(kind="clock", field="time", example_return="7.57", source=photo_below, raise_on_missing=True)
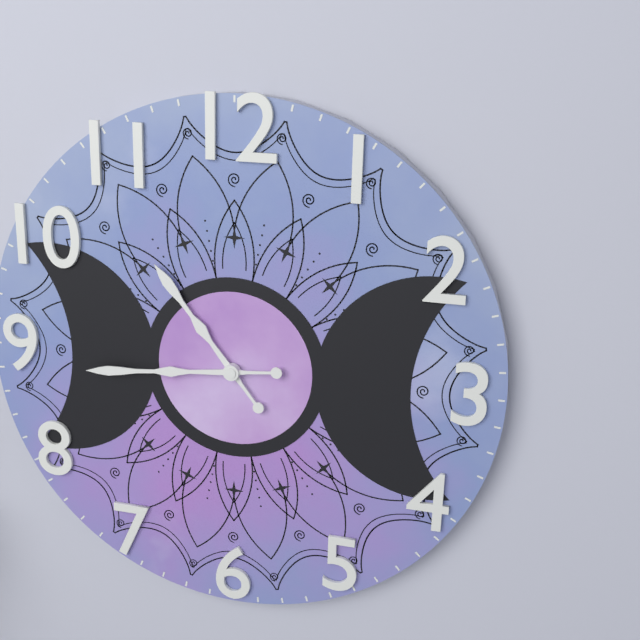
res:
10.44
